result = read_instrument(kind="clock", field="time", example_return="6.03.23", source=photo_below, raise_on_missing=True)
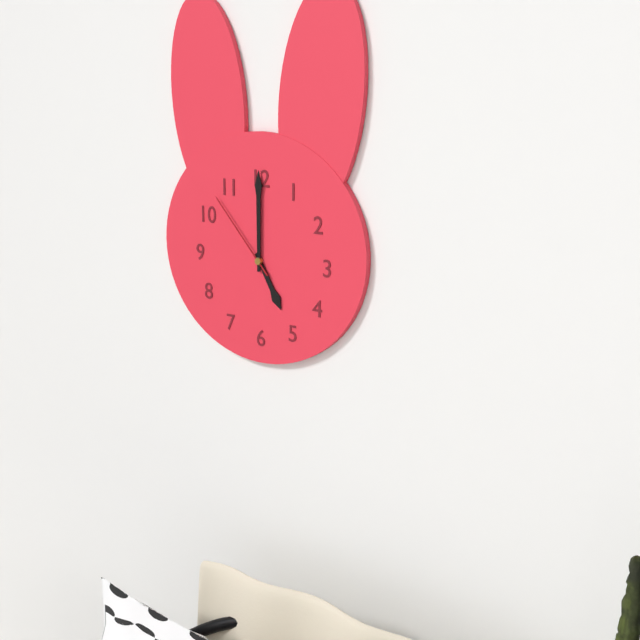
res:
5.00.53
